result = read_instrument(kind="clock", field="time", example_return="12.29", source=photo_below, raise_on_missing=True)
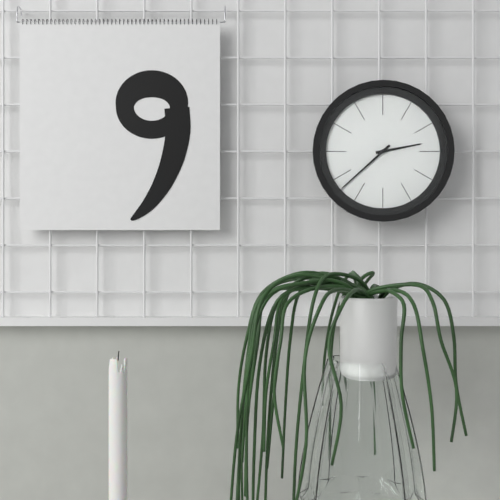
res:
2.38
